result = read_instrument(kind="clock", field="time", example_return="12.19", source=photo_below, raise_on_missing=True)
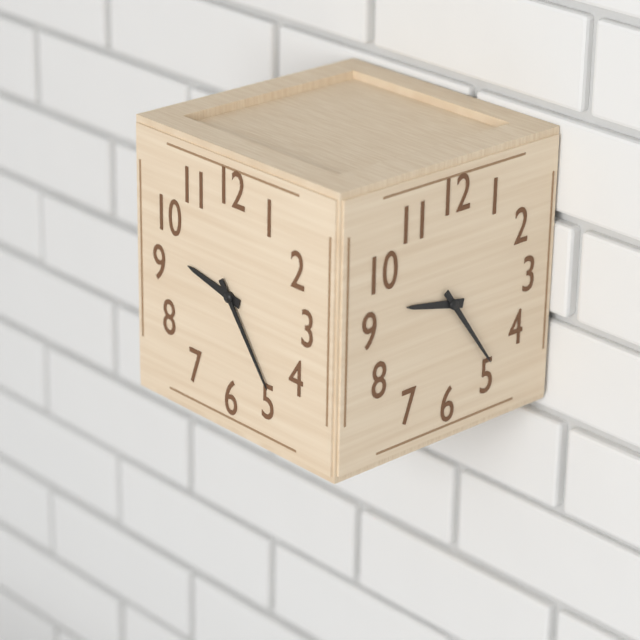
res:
9.24
